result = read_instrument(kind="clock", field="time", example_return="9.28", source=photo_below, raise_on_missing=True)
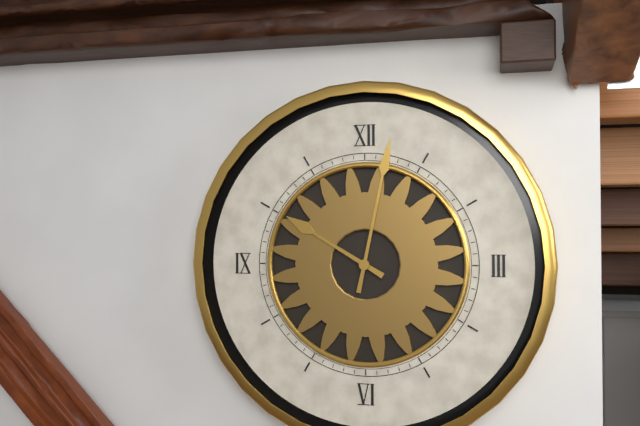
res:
10.02
